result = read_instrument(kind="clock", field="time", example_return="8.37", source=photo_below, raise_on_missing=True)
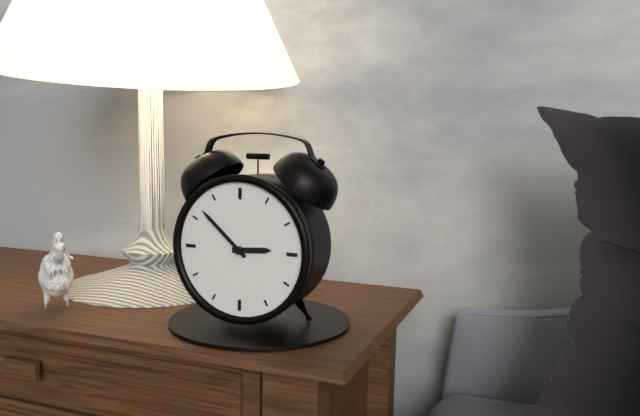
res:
2.52
